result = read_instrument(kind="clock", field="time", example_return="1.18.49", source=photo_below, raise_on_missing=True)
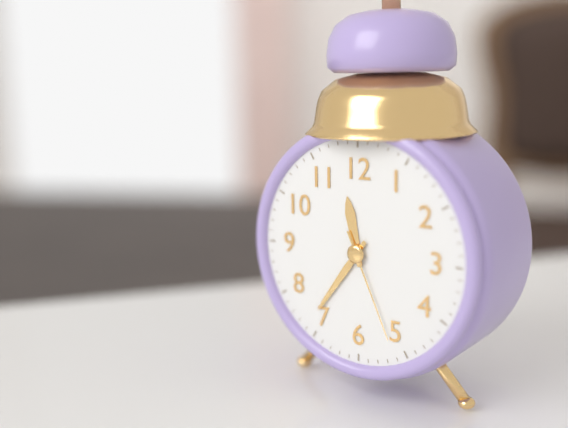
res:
11.36.26
